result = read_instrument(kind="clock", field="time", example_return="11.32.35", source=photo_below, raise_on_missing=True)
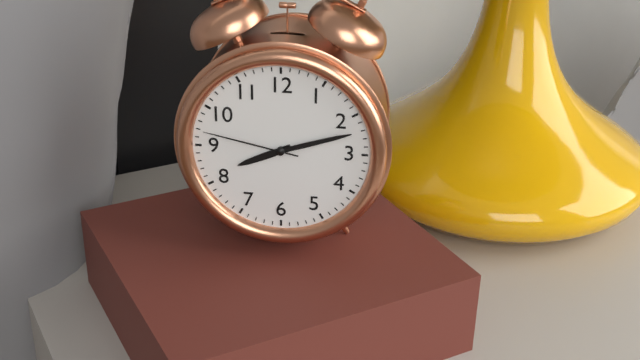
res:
8.12.47
